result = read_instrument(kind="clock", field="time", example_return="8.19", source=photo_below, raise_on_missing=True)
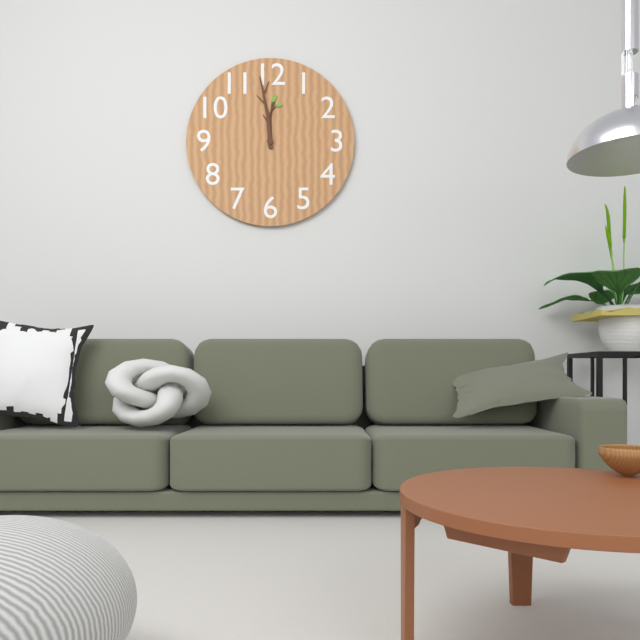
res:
11.59
